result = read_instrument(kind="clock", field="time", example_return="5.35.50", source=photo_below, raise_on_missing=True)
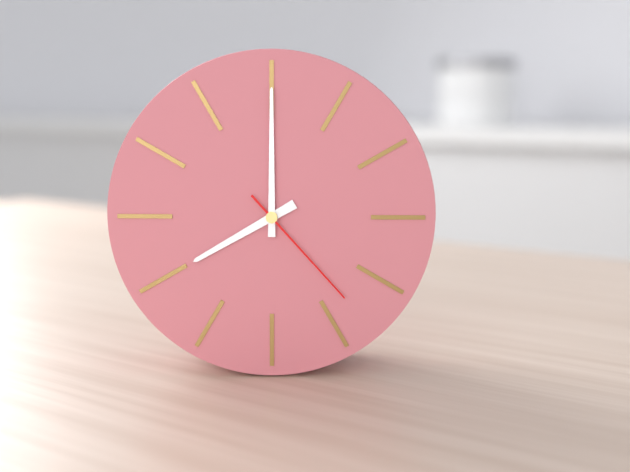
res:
8.00.23
